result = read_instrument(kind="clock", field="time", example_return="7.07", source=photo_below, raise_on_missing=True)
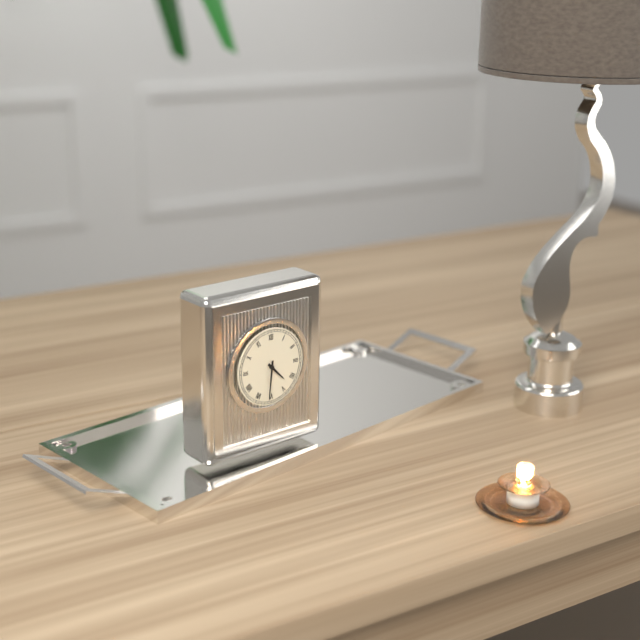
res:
4.31
